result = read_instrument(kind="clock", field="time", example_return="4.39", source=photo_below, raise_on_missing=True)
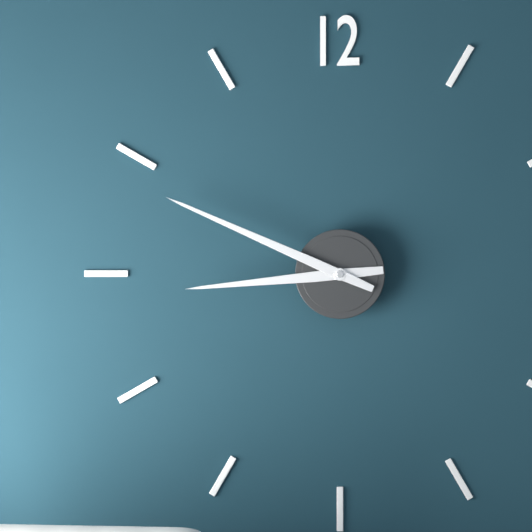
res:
8.49
